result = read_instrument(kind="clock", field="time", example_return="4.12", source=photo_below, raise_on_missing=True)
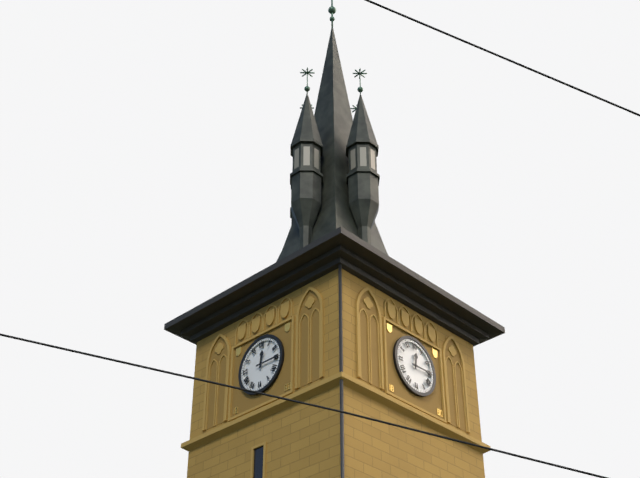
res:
12.15
